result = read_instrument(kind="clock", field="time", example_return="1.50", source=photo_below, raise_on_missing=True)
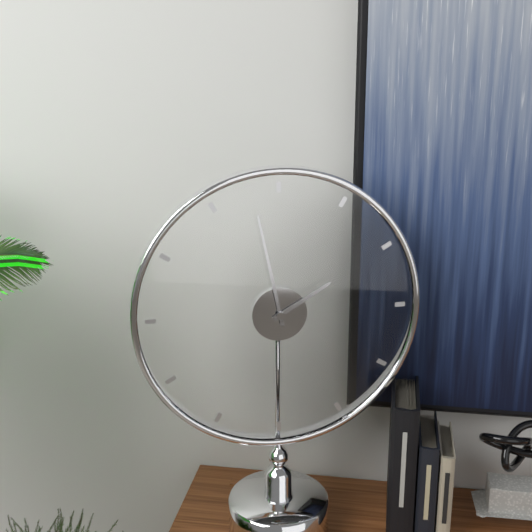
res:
1.58
